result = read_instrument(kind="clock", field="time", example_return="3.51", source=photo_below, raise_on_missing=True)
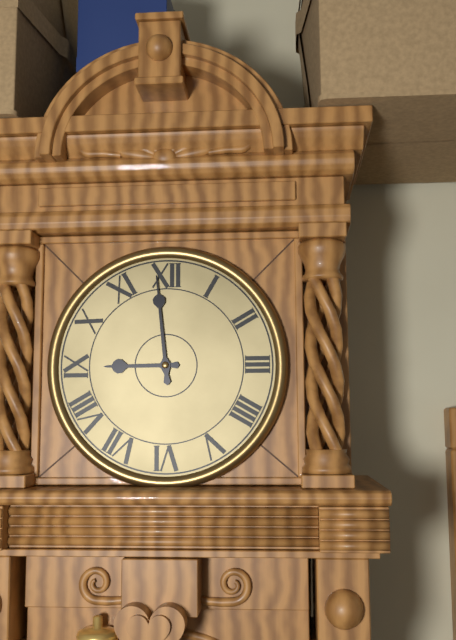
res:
8.59
